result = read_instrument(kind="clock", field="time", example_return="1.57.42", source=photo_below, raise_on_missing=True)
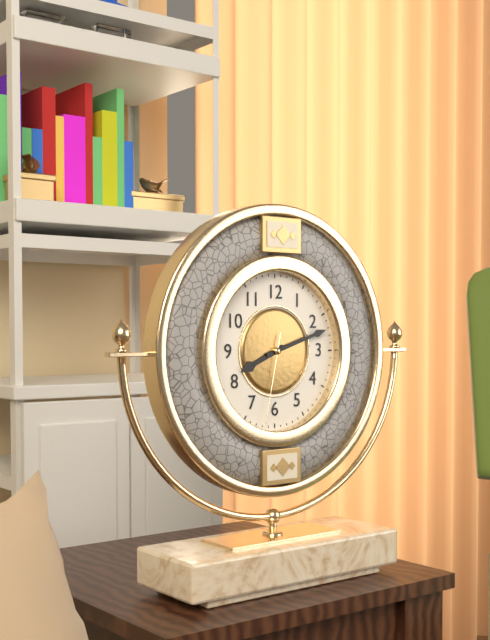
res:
8.12.32
